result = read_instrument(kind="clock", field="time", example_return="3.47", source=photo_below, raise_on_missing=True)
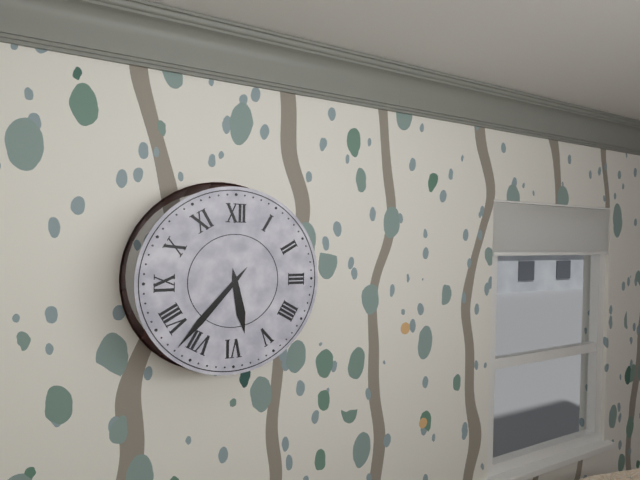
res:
5.37
